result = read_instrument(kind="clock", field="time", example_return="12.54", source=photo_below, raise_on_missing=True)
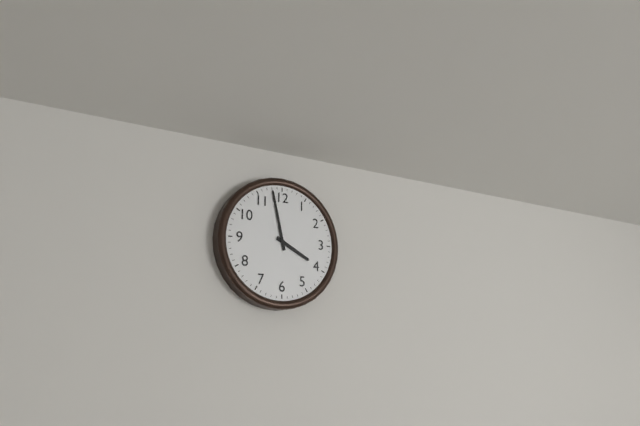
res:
3.58
